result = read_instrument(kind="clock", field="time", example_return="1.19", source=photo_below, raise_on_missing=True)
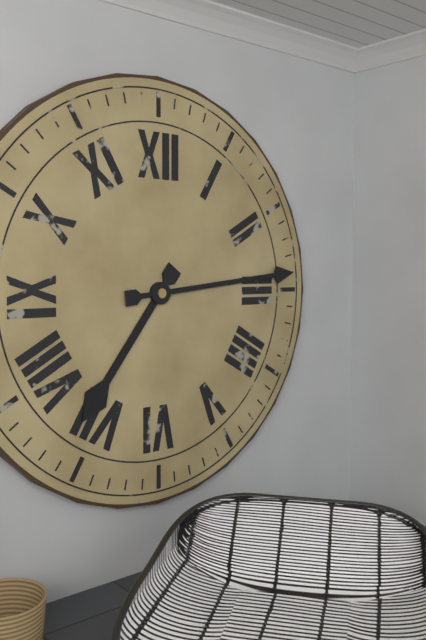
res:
7.14
